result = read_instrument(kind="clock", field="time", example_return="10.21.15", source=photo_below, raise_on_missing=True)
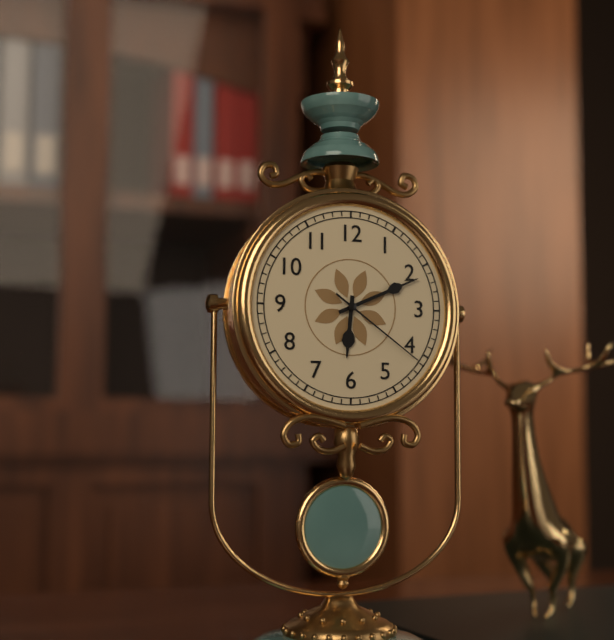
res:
6.11.21
